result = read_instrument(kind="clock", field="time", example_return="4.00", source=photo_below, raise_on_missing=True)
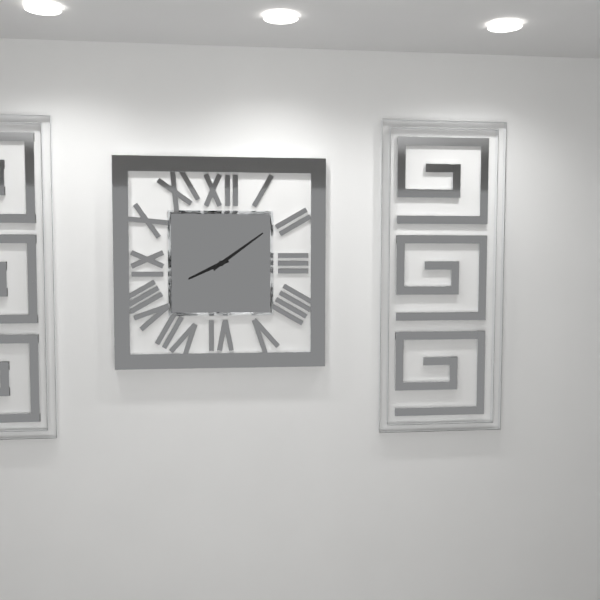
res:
8.09
